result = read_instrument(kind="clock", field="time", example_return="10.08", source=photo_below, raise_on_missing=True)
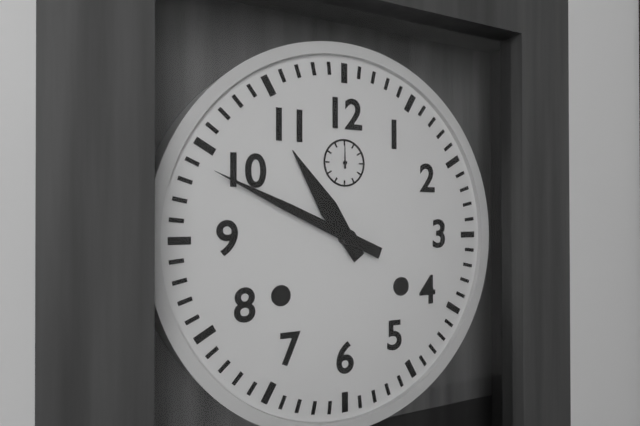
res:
10.49
